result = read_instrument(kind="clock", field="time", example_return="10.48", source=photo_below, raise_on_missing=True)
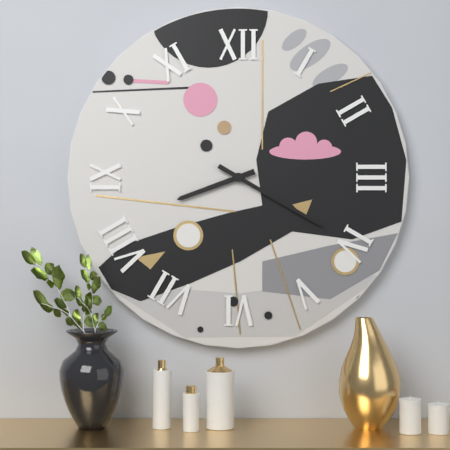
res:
8.20
